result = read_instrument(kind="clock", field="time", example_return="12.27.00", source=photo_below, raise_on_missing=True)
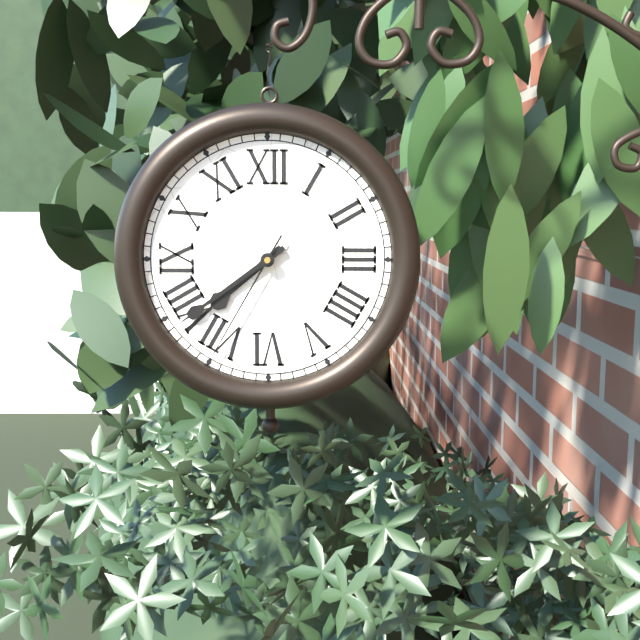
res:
7.39.35
